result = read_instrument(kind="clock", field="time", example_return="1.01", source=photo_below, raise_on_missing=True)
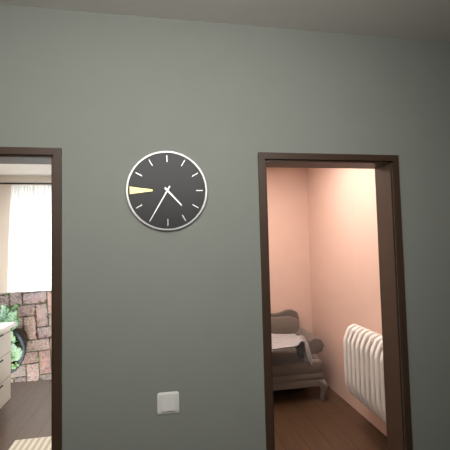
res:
4.35
